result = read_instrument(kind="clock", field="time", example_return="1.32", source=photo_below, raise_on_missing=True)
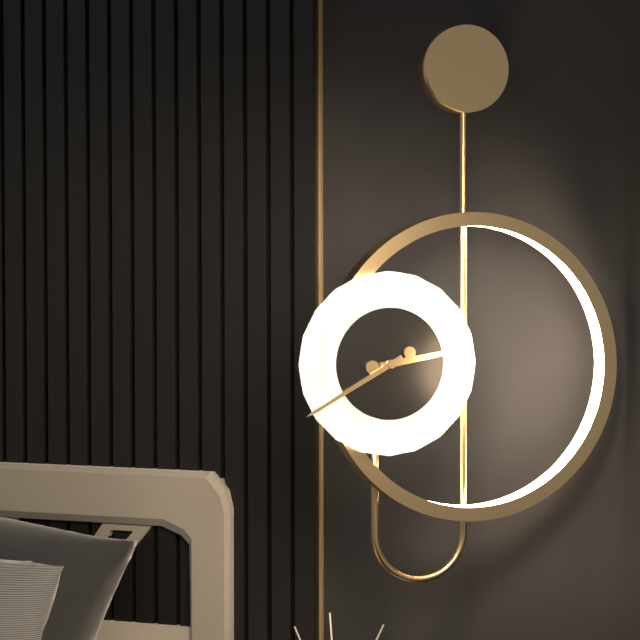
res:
2.40
